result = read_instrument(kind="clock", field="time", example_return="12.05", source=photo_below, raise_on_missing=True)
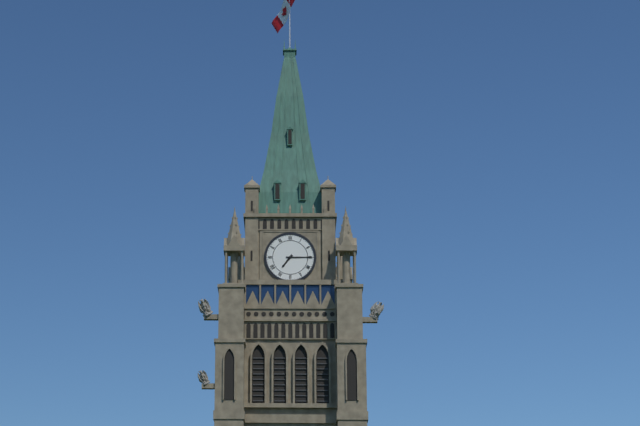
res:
7.15
